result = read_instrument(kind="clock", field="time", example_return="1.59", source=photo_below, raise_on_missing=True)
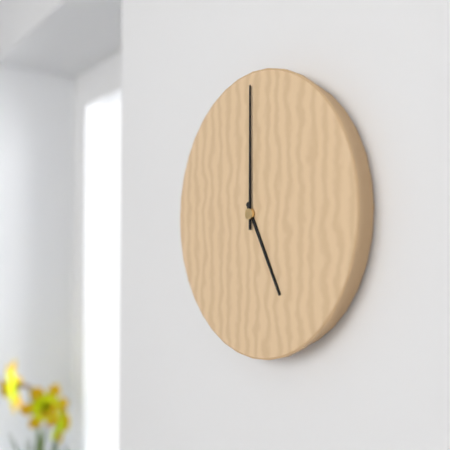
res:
5.00
